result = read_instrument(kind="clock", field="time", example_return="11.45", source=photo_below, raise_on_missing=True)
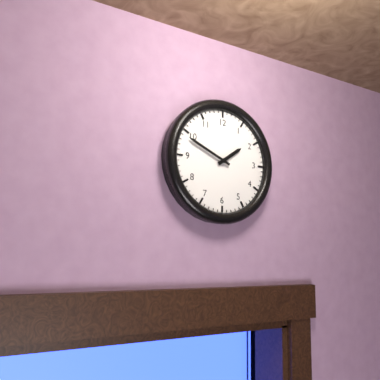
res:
1.49
